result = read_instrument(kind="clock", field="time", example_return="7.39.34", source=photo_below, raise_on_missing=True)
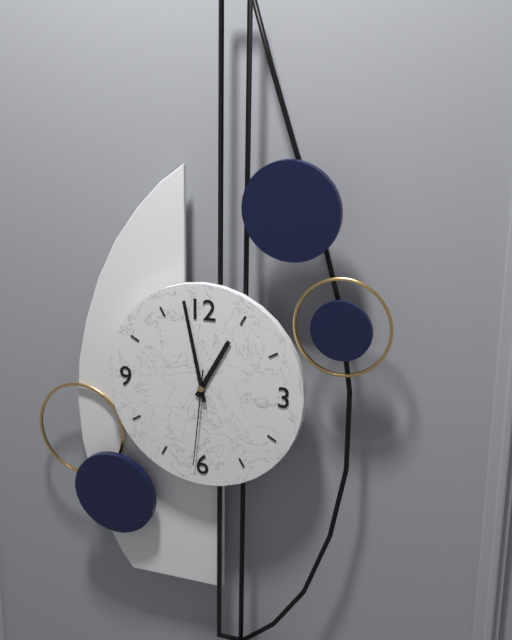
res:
12.58.31
